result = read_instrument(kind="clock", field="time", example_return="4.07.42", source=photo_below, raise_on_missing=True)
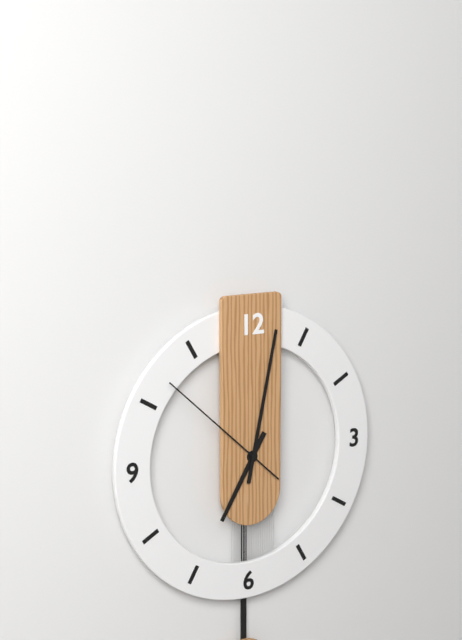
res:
7.02.52
